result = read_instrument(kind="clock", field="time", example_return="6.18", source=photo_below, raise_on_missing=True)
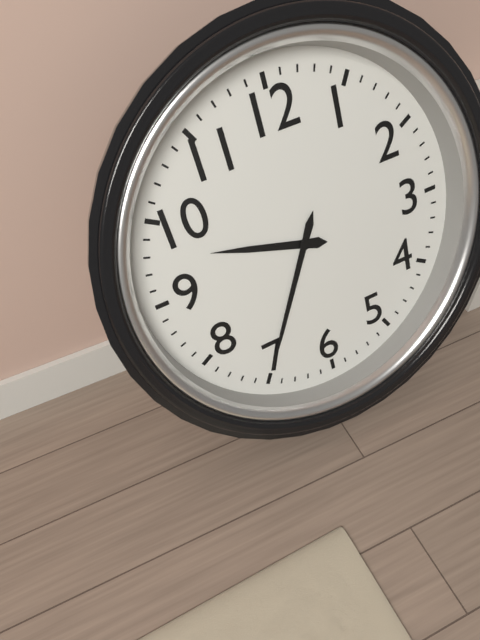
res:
9.35
